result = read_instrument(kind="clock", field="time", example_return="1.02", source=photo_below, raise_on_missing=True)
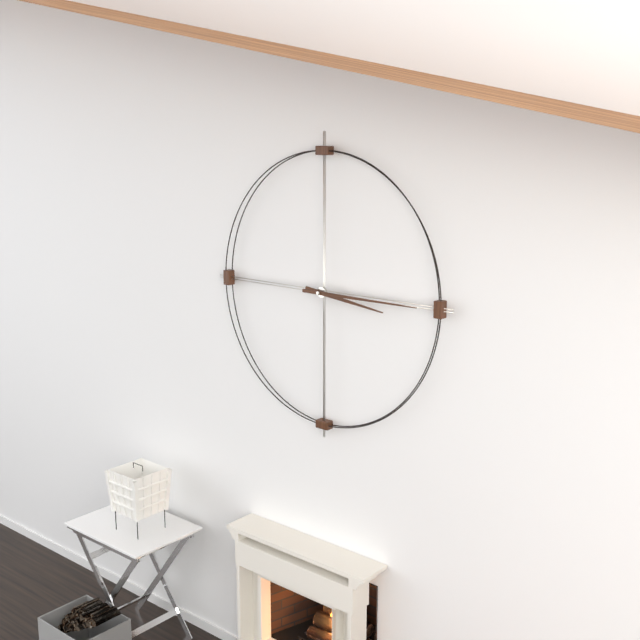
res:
3.15
